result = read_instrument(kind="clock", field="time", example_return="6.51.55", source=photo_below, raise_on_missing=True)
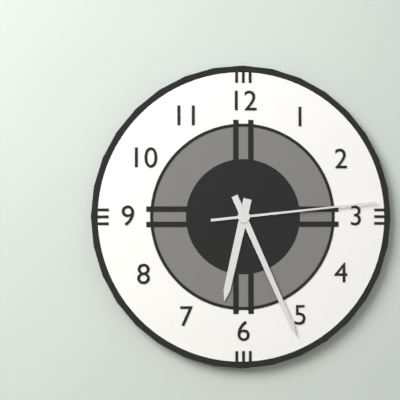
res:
6.26.14
